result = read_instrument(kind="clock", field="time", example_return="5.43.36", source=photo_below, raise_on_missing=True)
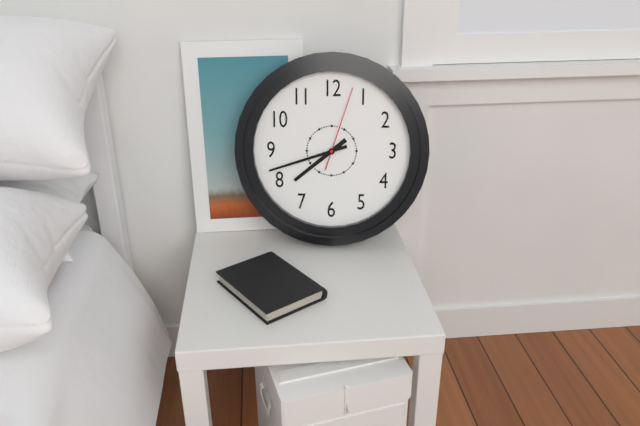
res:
7.42.03
